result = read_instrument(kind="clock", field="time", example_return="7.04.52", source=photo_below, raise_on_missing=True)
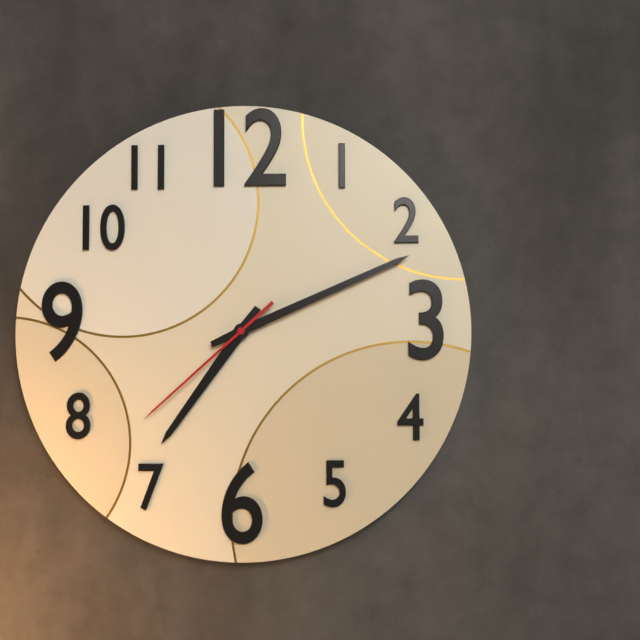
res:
7.11.38
